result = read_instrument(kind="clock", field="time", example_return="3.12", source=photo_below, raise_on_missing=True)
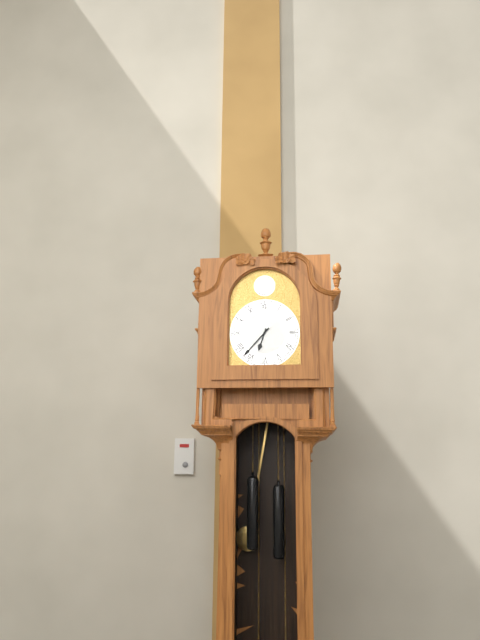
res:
6.37
